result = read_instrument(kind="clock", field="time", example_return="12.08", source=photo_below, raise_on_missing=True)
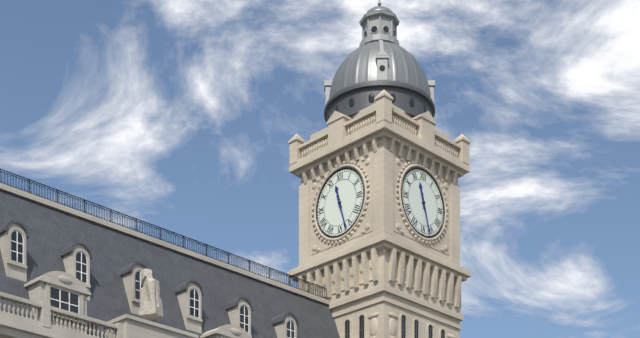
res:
11.27
